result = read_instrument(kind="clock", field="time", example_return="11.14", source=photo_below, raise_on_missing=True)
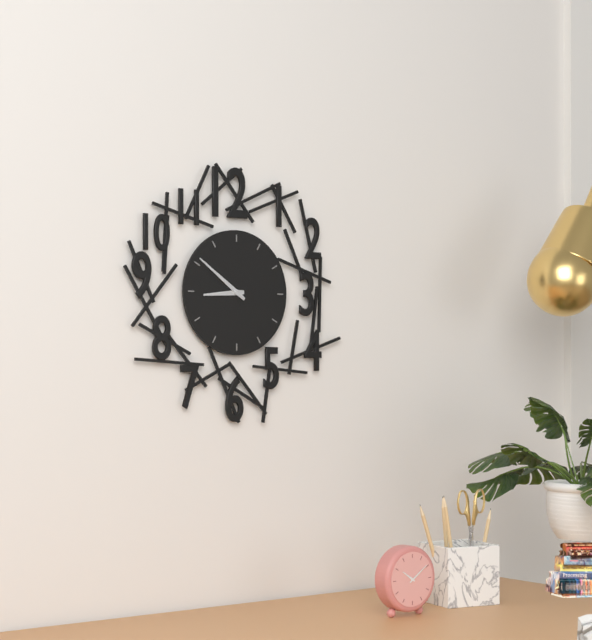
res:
8.51
